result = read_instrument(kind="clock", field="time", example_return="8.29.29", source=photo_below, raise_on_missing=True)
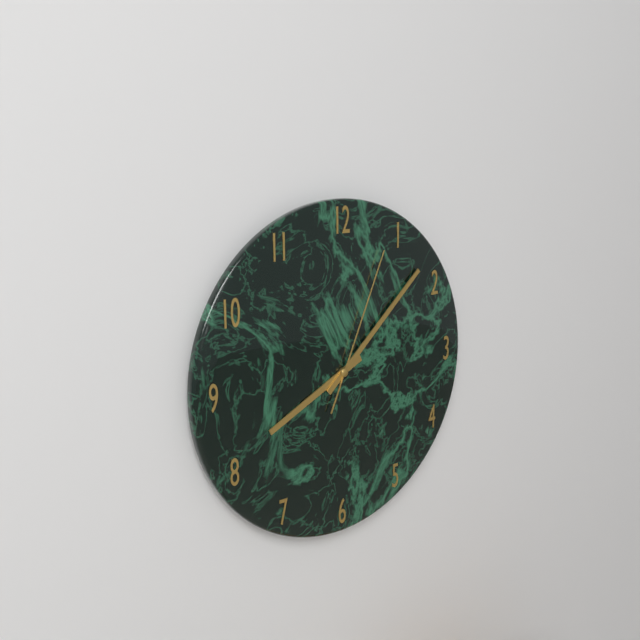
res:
8.08.04
